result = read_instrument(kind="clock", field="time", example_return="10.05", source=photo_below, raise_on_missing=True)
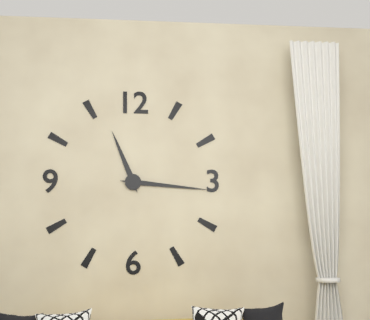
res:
11.16
